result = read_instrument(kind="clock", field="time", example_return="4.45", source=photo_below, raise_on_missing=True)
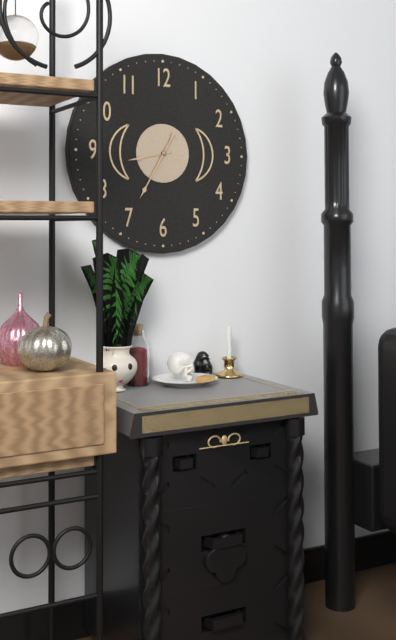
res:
8.35
